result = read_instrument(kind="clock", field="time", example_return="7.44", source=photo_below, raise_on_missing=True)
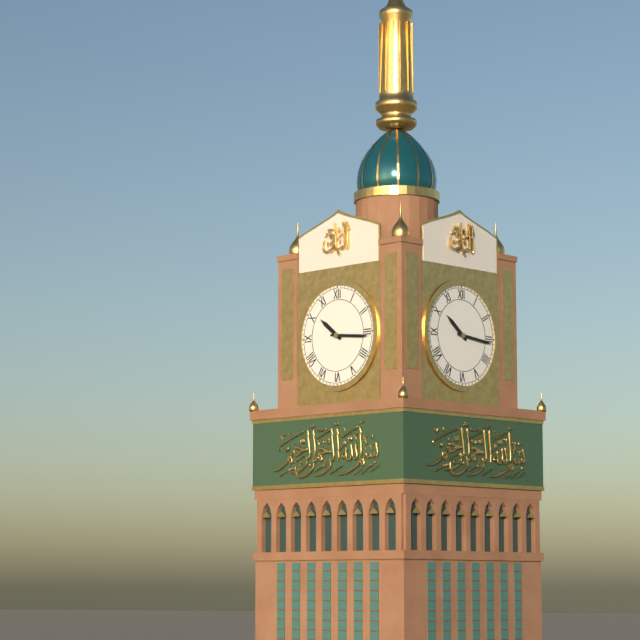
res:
10.16
